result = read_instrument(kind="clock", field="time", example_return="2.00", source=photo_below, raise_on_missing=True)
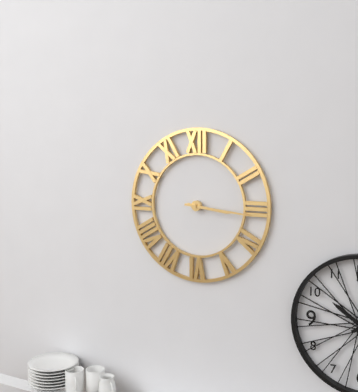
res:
3.16
